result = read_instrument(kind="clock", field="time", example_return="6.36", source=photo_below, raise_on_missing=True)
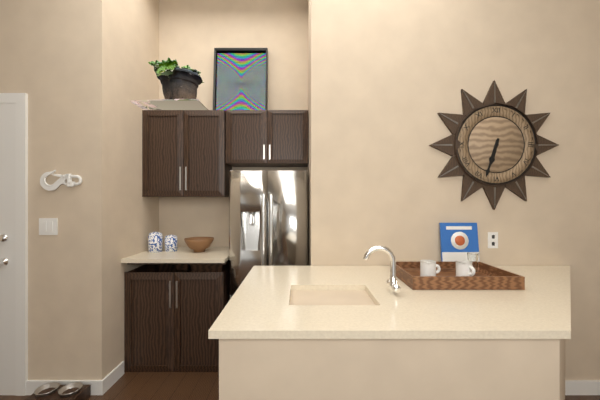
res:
6.33
